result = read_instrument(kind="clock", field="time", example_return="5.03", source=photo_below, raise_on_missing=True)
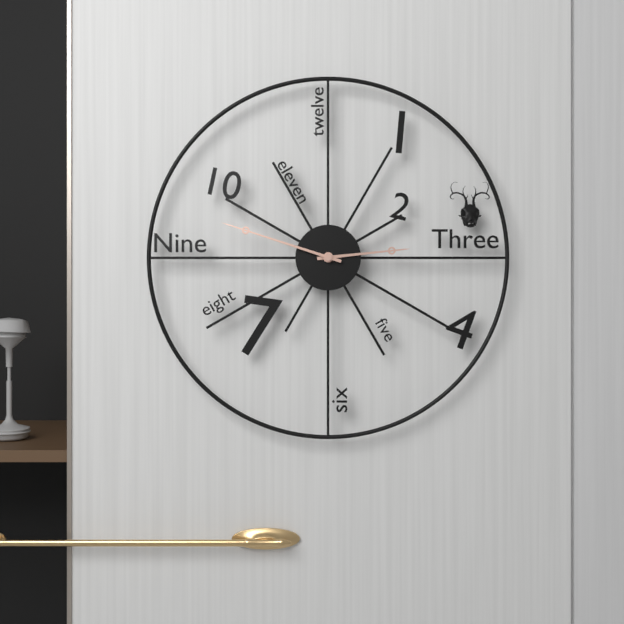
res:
2.48
